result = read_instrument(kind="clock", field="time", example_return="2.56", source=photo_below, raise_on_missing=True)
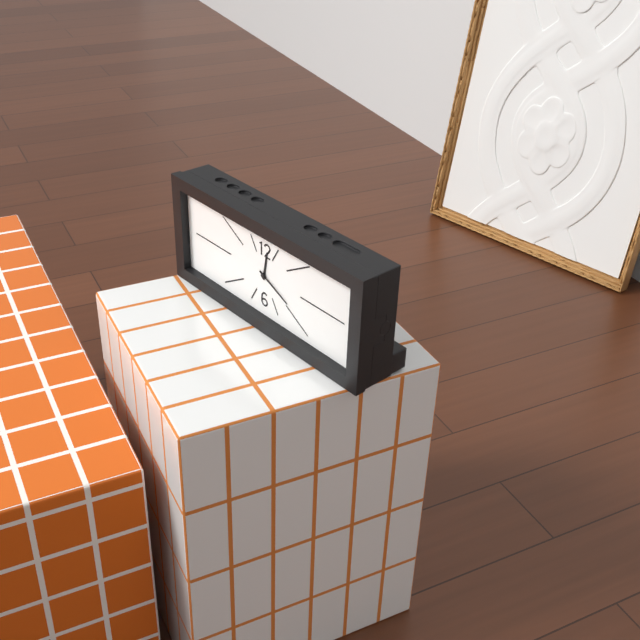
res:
12.19
